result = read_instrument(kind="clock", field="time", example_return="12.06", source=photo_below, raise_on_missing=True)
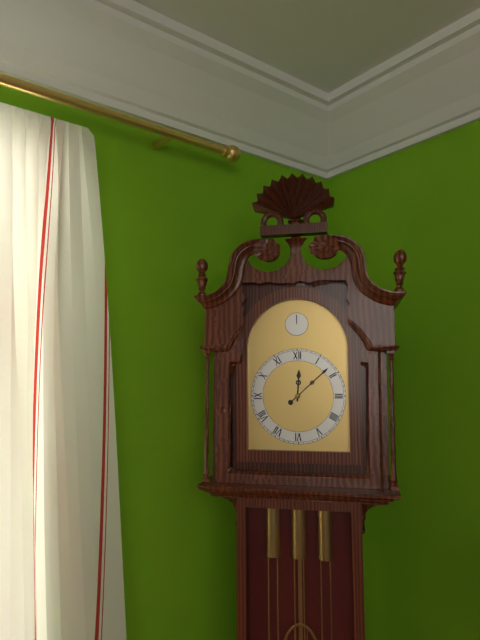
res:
12.08
